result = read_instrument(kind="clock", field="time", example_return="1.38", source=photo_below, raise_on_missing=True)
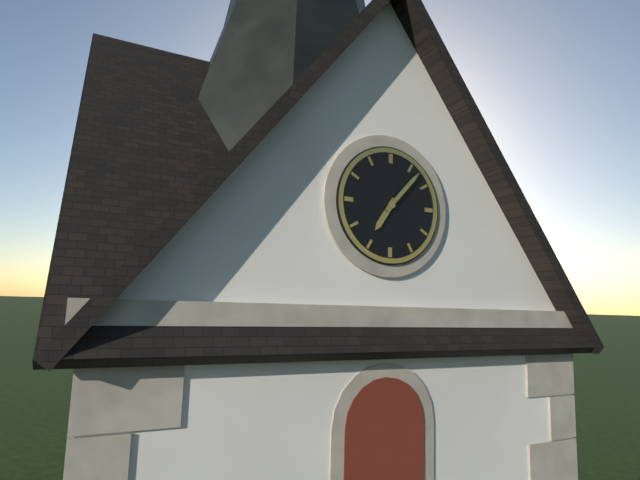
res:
7.07
